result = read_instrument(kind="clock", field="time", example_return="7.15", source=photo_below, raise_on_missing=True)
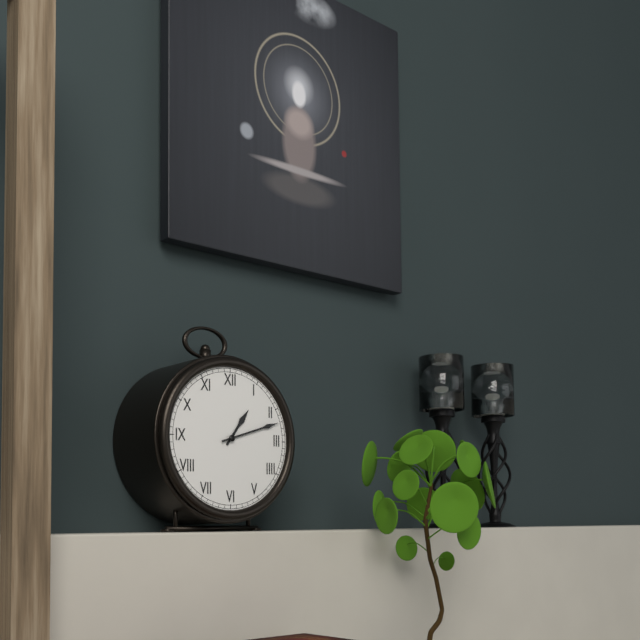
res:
1.12
